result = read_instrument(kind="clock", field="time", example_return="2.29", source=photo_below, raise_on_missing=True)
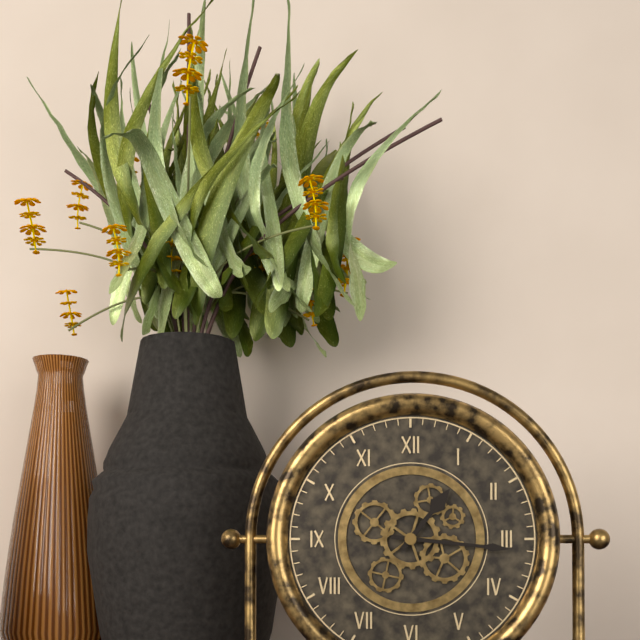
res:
1.16
